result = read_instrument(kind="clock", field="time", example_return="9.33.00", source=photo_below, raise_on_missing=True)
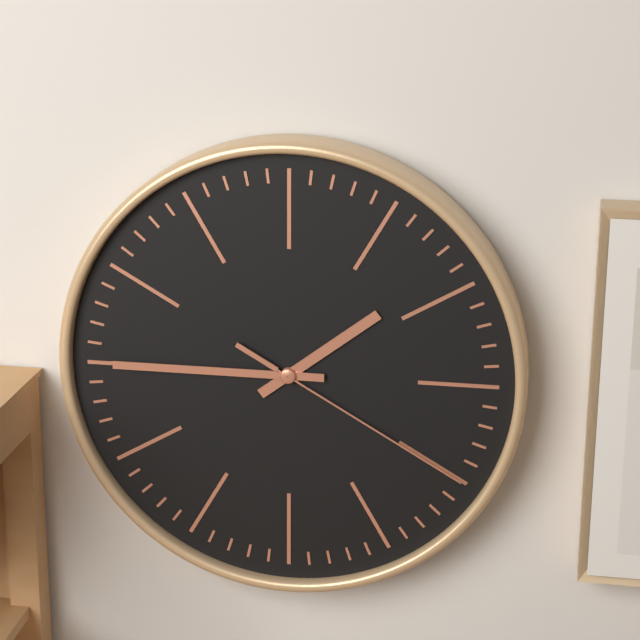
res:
1.45.20
